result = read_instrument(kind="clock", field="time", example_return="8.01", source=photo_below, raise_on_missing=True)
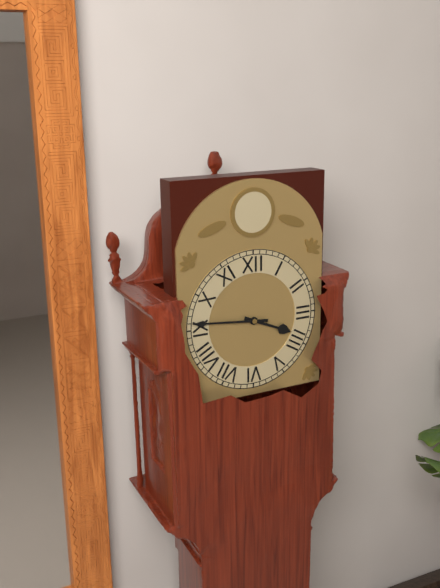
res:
3.46
